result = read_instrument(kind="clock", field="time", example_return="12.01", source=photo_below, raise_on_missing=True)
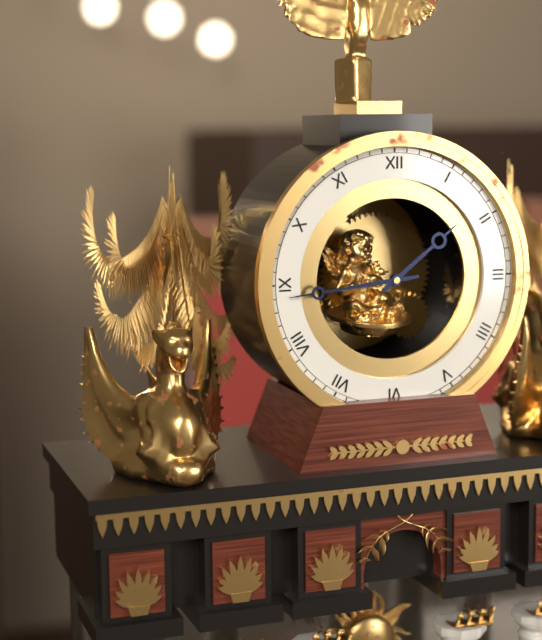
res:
1.44
